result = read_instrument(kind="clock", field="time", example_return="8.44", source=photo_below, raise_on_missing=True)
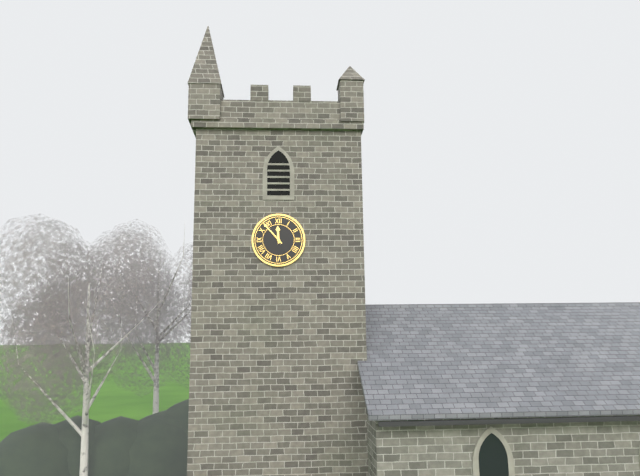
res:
11.53
